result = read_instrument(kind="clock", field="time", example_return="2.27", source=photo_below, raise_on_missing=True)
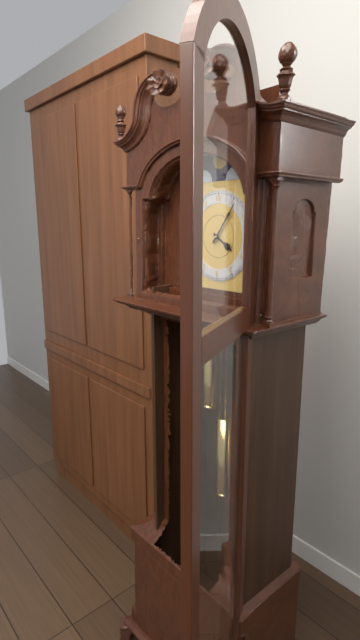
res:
4.06
